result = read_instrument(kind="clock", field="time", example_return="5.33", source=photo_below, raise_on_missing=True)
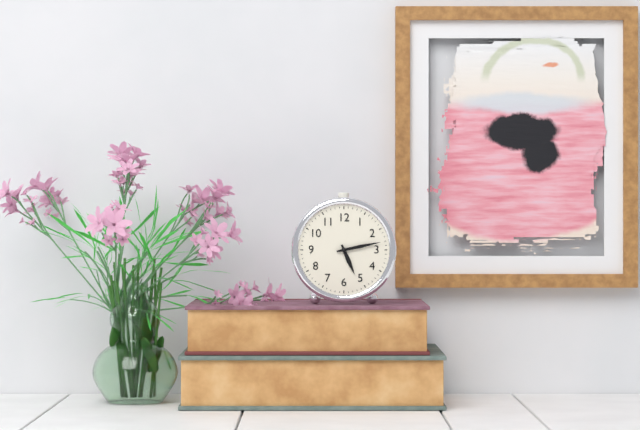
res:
5.13
